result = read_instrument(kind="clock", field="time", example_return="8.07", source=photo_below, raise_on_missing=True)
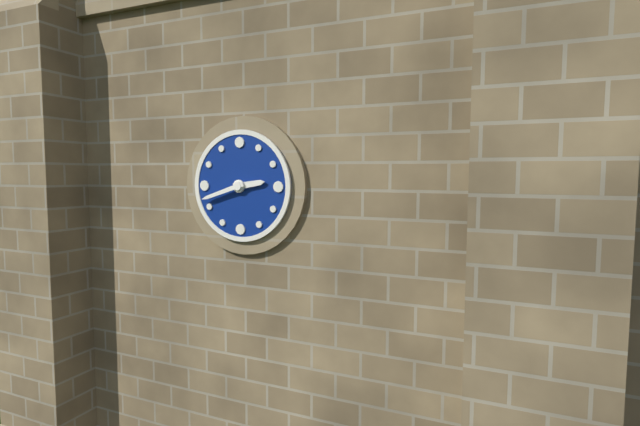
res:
2.42
